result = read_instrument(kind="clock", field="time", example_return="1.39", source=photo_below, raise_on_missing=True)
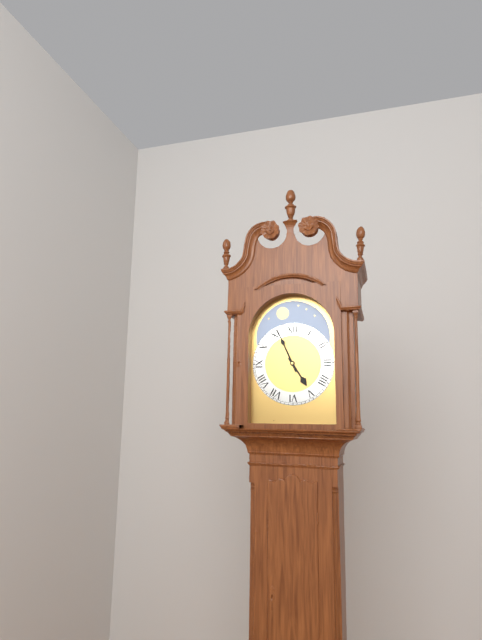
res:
4.56
